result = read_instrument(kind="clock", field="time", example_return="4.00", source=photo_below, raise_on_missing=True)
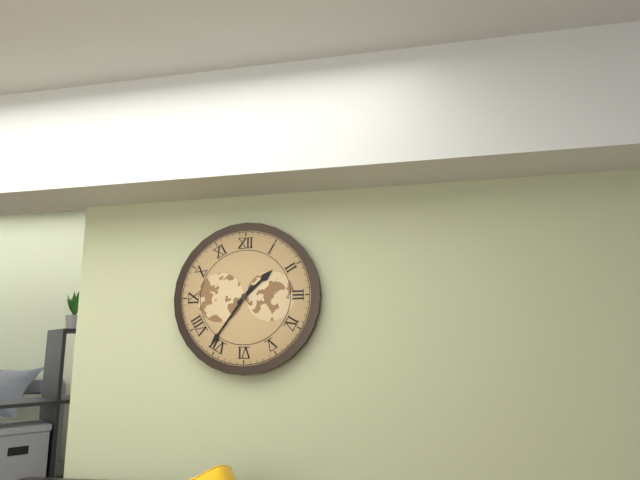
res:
1.36
